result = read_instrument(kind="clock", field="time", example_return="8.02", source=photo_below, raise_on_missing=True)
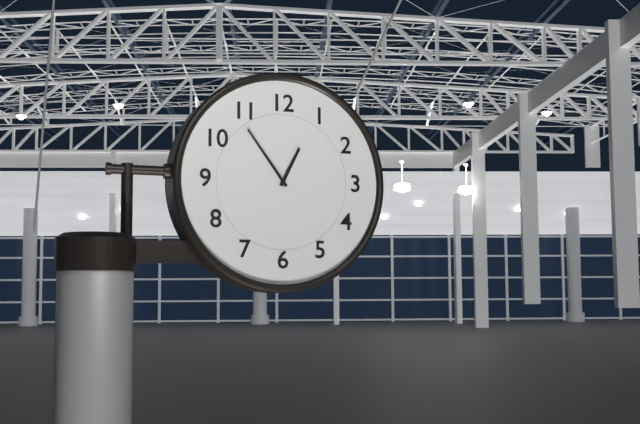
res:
12.54
